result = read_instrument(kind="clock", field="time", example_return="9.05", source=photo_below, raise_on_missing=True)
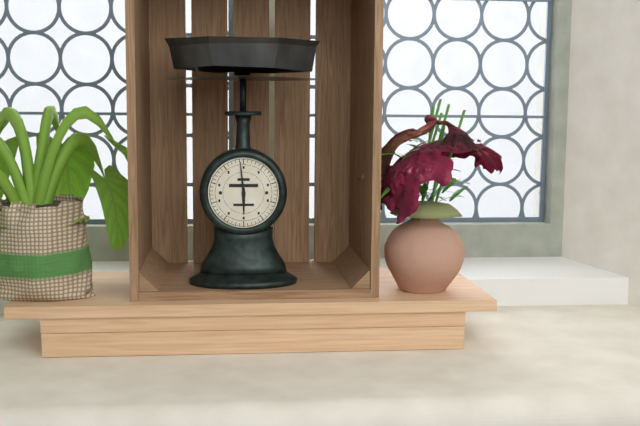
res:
5.59
